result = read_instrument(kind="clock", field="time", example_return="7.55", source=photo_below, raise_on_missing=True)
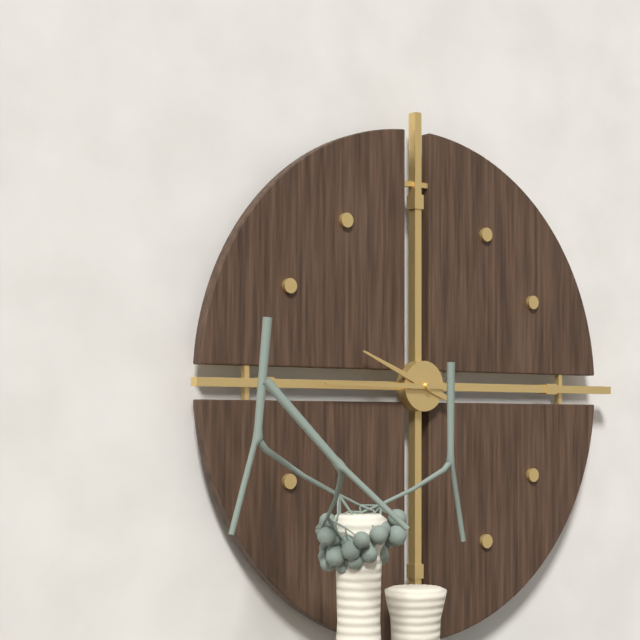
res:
9.45
